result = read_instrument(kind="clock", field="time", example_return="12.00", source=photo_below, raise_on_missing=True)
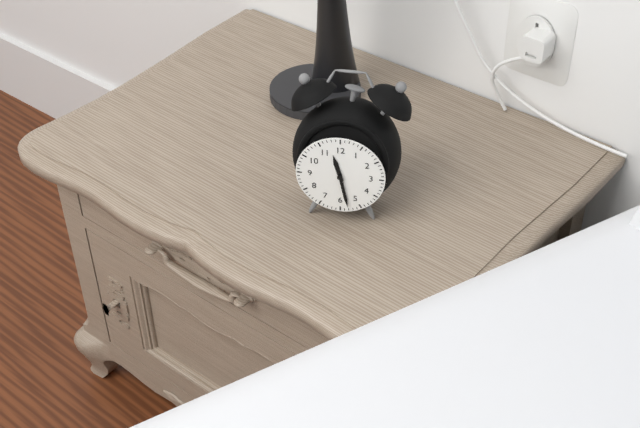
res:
11.28
